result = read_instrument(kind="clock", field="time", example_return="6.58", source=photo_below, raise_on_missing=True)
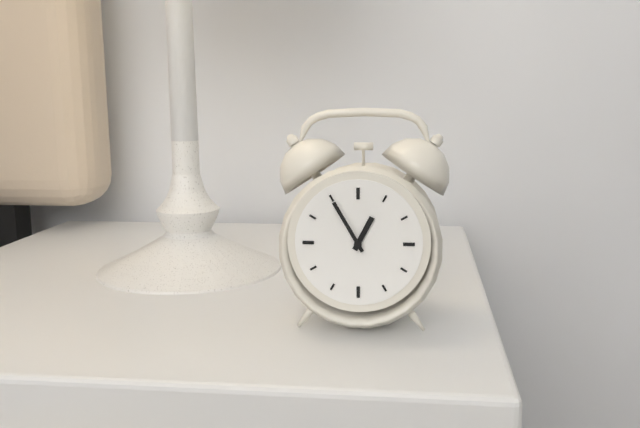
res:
12.55
